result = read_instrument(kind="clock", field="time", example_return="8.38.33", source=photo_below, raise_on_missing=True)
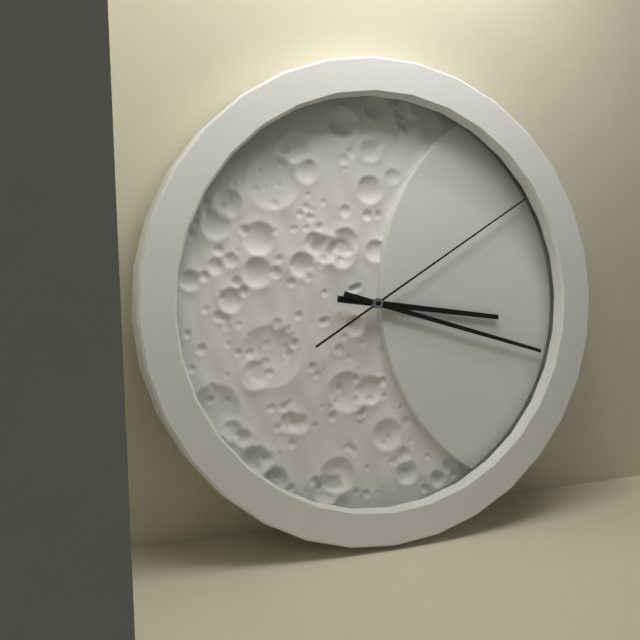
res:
3.18.10
